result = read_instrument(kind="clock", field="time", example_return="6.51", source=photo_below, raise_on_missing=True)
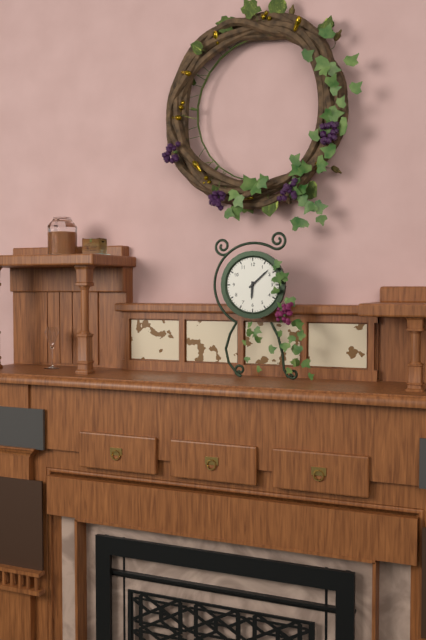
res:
6.08
